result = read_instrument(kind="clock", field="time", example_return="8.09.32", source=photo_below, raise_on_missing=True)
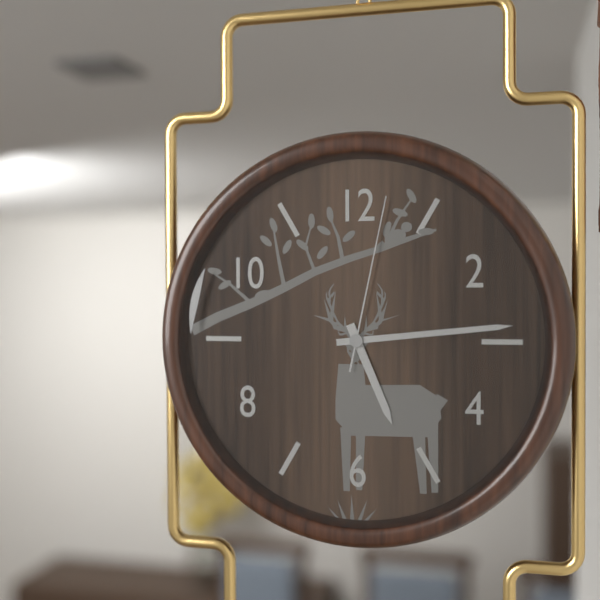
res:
5.14.02
